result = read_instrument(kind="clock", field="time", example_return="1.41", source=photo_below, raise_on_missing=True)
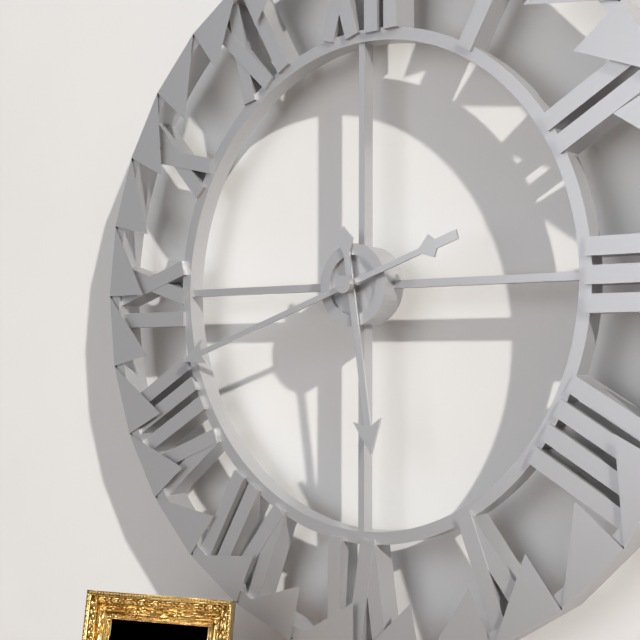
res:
5.42
